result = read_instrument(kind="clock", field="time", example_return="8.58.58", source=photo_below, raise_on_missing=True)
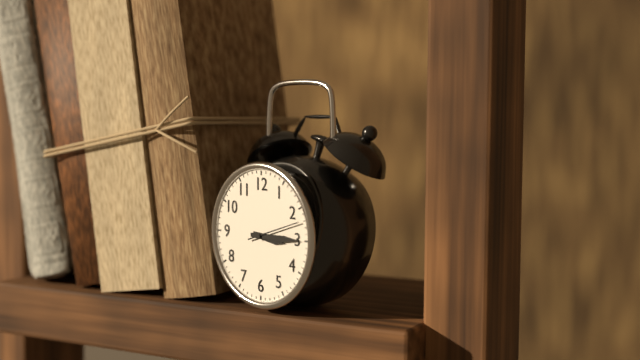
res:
3.15.12
